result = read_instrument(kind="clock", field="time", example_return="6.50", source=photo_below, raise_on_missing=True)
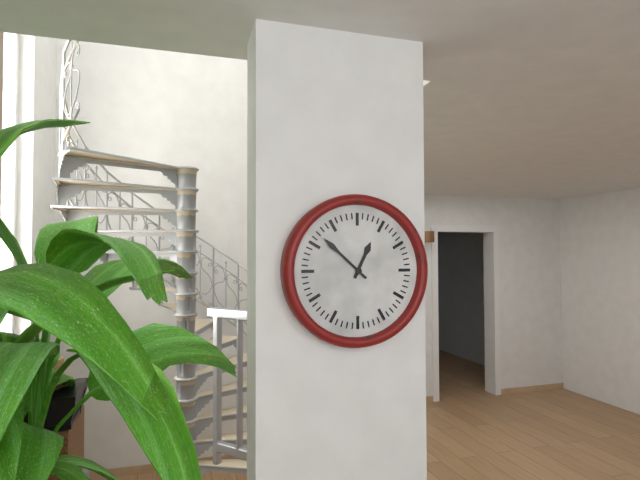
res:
12.52
